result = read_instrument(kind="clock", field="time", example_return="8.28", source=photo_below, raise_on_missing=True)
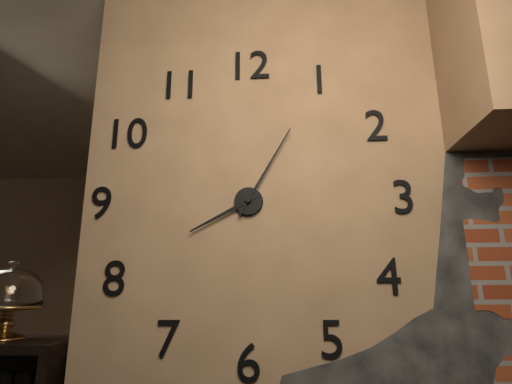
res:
8.05
